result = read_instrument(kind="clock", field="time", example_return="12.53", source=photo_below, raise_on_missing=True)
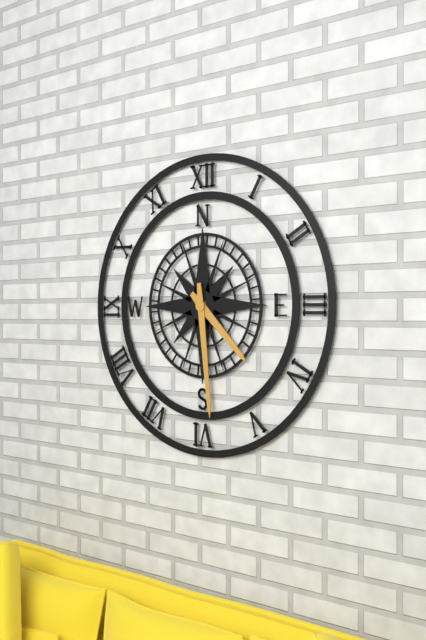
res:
4.29
